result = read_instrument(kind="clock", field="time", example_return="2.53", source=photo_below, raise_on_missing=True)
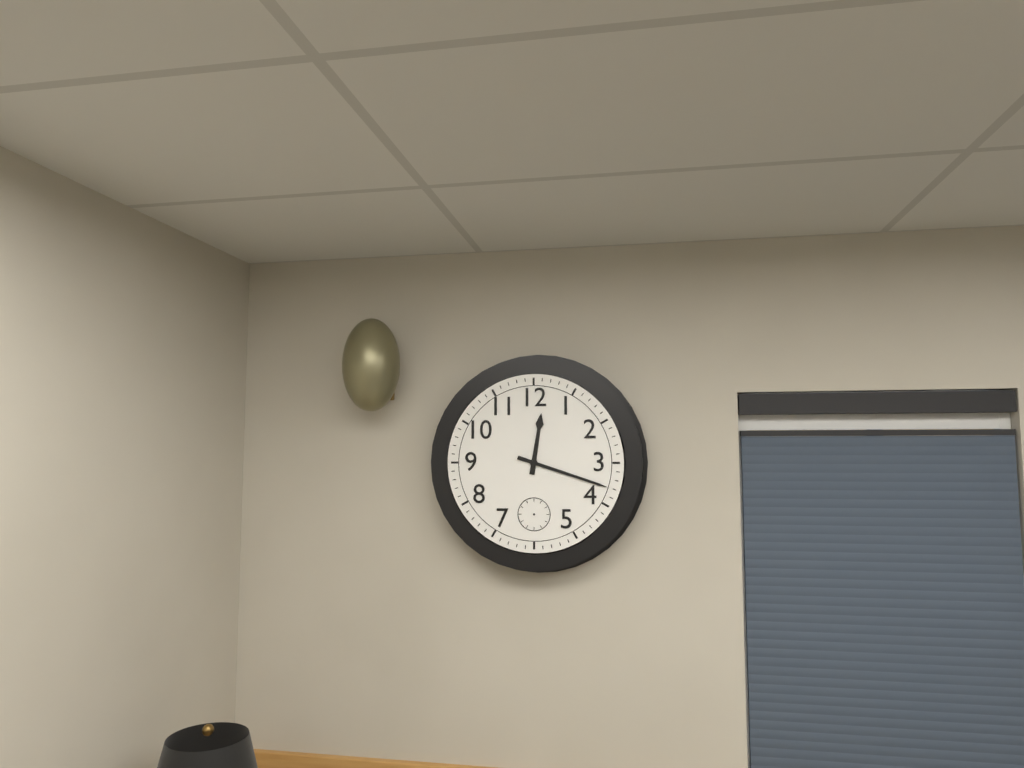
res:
12.18
